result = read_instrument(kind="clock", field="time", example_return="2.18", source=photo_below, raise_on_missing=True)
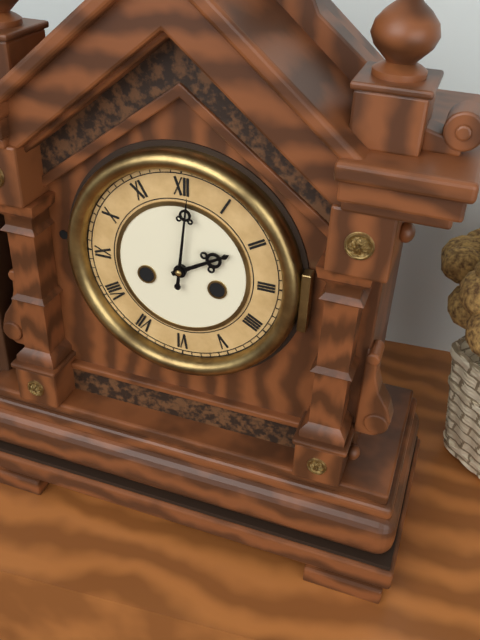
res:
2.01
